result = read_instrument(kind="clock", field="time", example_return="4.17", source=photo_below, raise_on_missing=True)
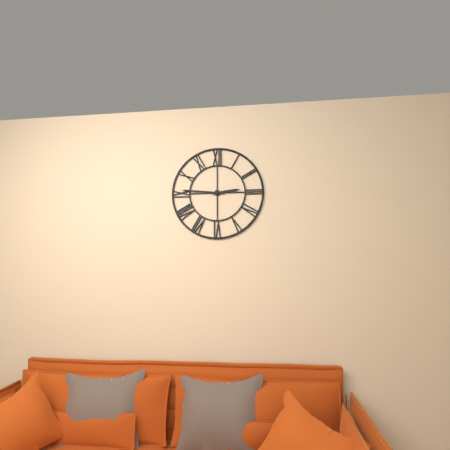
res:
2.46
